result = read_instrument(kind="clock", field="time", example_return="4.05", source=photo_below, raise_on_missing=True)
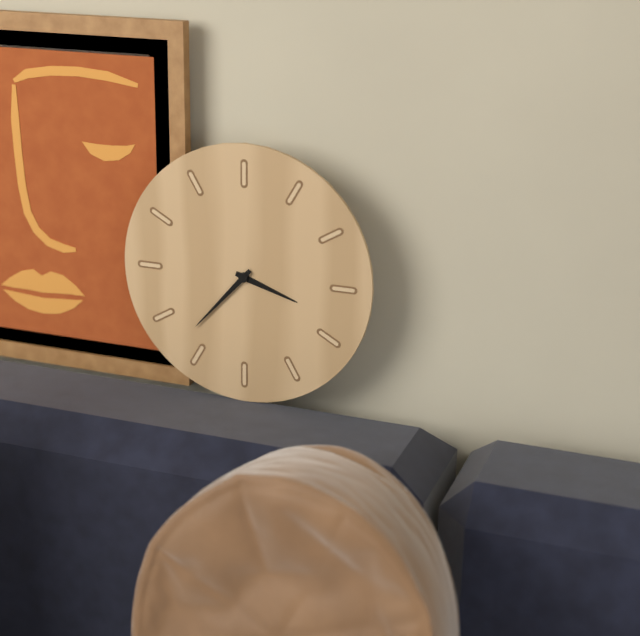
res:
3.37
